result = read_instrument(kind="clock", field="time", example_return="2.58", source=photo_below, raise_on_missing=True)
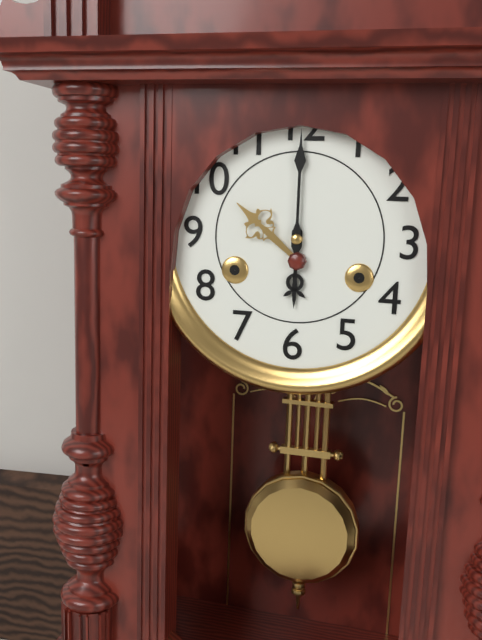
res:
6.00
